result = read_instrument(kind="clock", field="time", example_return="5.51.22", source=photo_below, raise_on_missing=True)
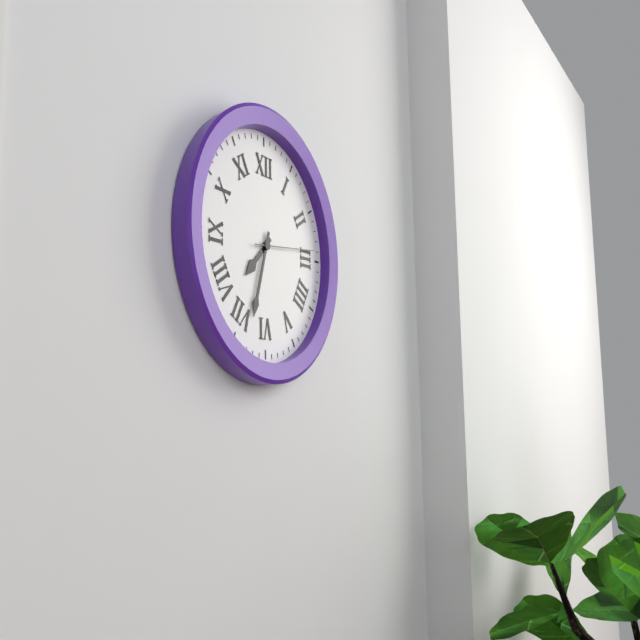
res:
7.33.14
